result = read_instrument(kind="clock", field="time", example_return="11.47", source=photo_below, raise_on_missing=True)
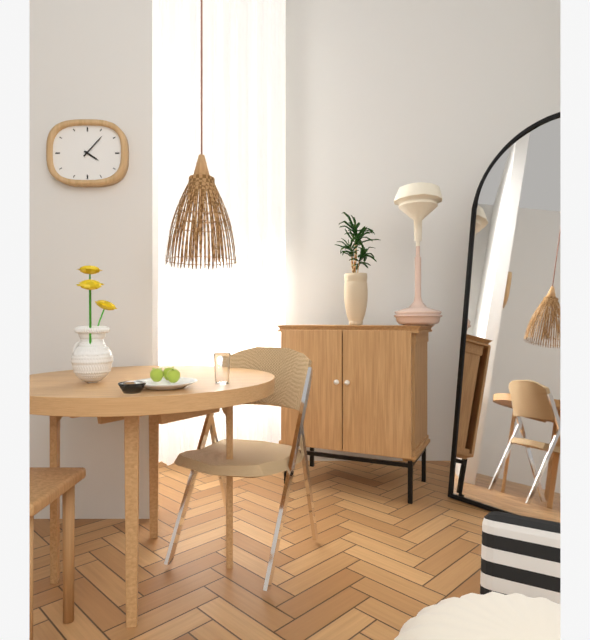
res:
4.07
